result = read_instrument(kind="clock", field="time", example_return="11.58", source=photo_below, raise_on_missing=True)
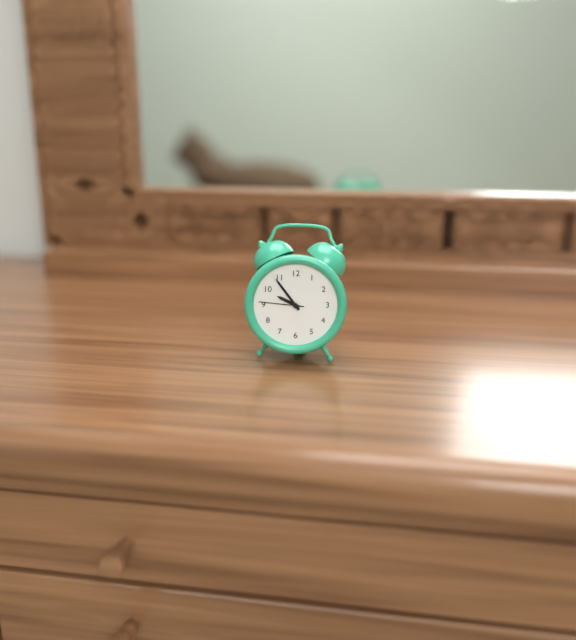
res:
9.54
